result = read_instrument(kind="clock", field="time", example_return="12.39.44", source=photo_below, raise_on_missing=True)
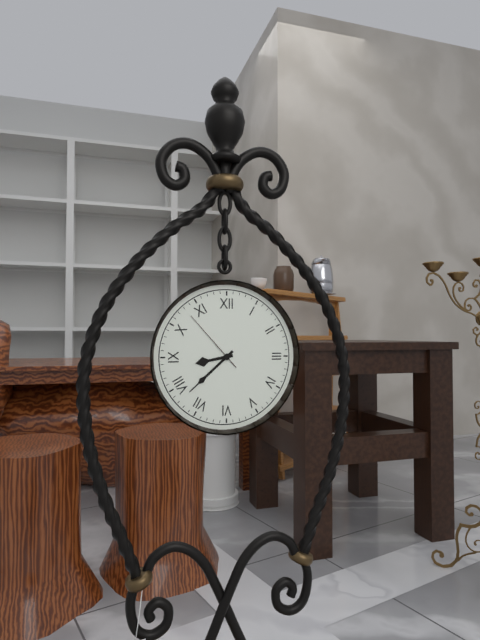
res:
8.38.53
